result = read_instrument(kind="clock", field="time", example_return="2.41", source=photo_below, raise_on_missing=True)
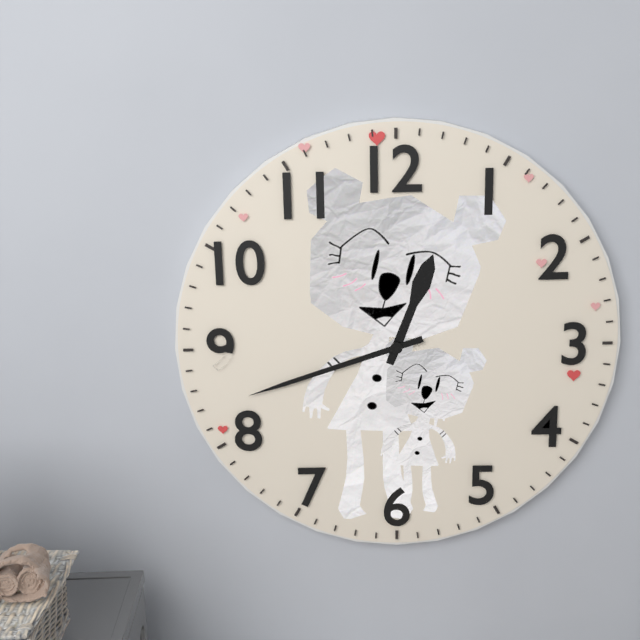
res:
12.42
